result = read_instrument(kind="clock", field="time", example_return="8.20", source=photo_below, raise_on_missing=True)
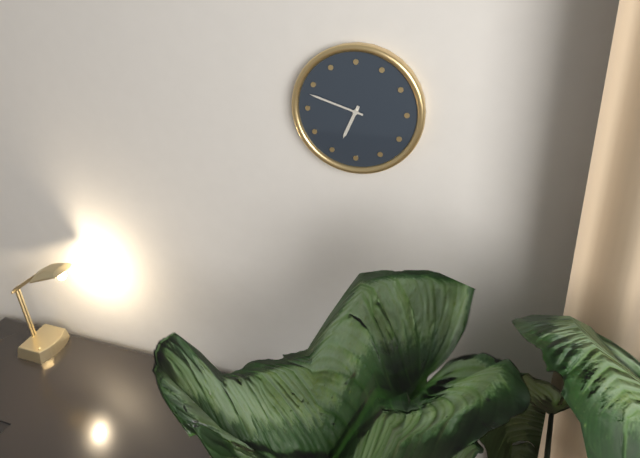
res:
6.48
